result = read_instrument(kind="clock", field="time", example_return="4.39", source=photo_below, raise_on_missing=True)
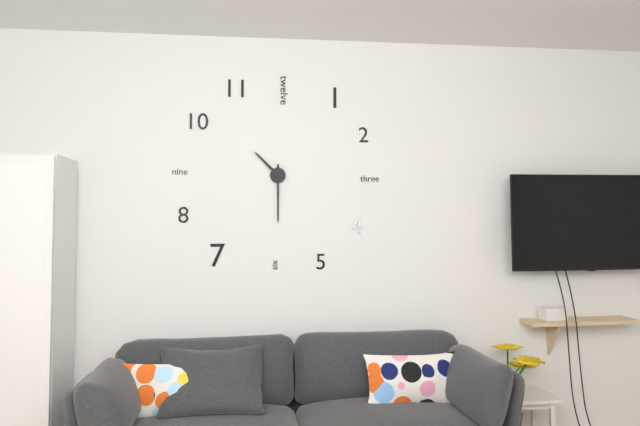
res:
10.30
